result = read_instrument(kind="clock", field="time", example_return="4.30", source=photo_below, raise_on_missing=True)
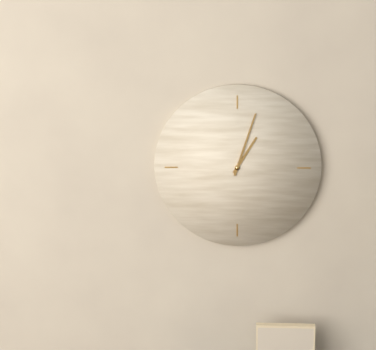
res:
1.03
